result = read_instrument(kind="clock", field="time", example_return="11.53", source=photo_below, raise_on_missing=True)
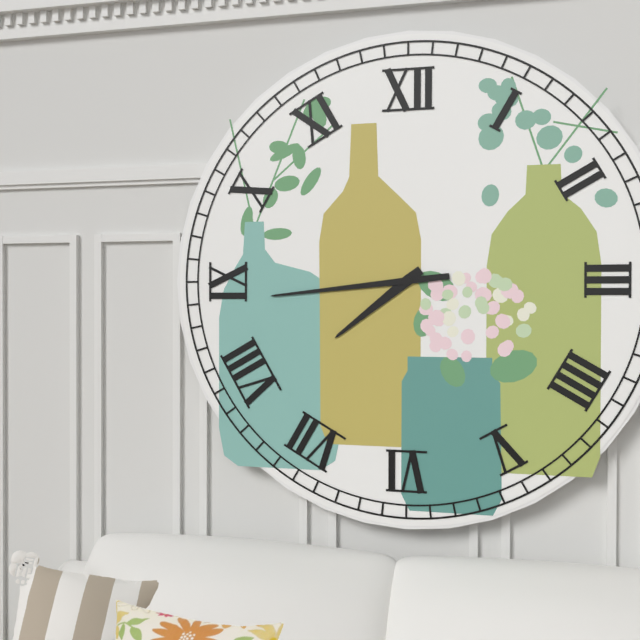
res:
7.44
